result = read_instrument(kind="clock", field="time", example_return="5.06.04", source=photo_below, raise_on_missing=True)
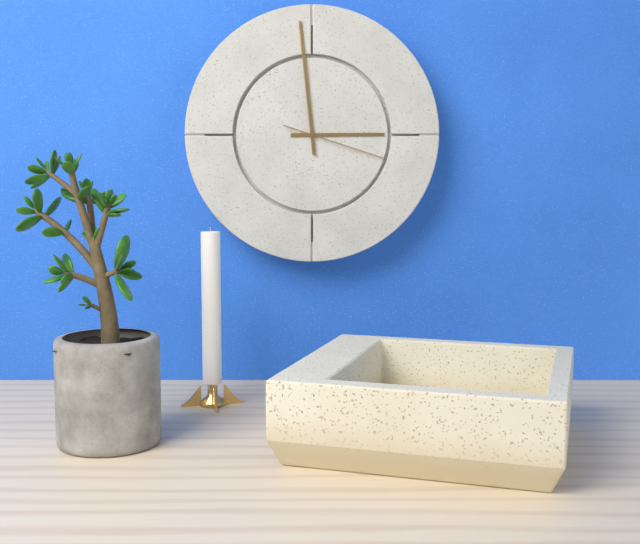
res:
2.59.18
